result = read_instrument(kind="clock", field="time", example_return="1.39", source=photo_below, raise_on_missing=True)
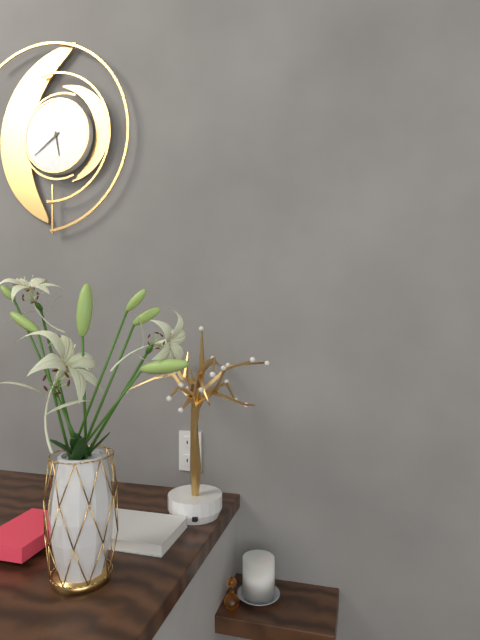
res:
5.39
